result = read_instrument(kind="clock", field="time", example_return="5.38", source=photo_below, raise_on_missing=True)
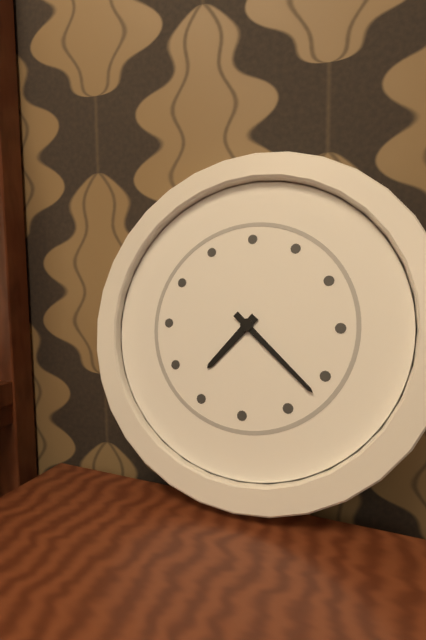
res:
7.22
